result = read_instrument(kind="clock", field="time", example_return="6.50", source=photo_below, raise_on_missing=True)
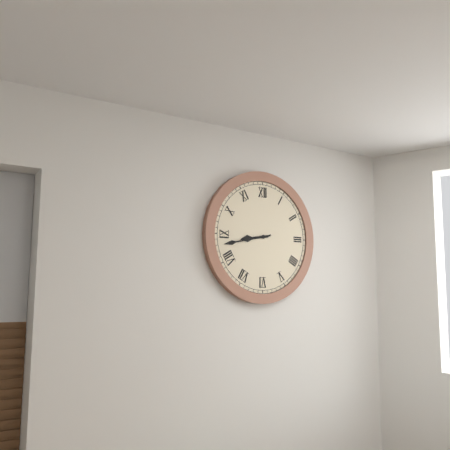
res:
8.43
